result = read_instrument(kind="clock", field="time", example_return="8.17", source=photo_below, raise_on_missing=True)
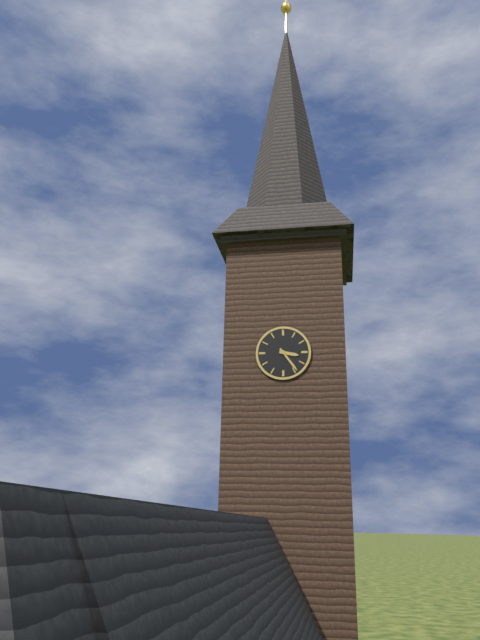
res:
3.24
